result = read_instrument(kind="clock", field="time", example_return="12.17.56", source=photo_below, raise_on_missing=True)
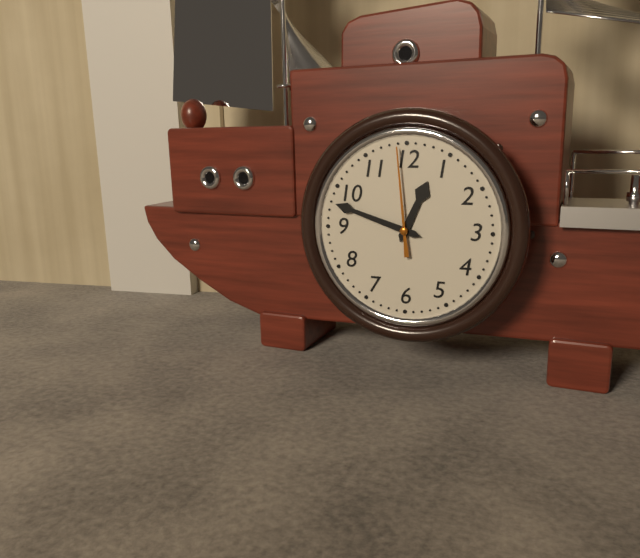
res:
12.48.59
